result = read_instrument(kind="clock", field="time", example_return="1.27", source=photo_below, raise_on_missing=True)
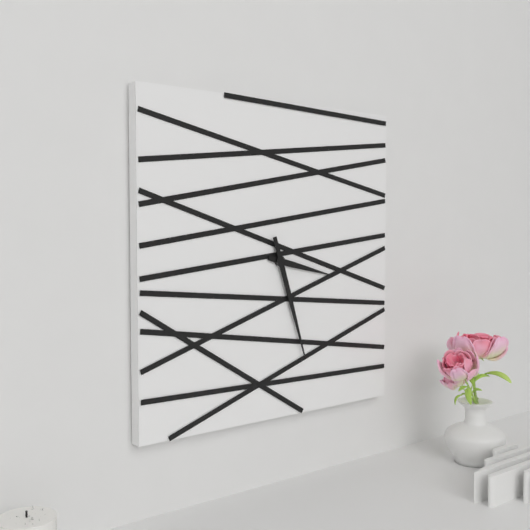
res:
3.27
